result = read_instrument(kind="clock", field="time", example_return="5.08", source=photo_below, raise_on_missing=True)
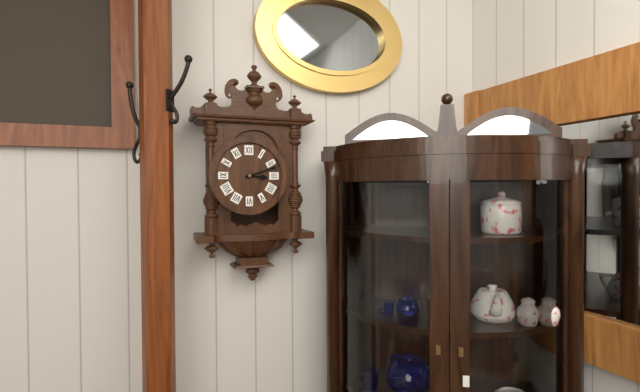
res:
3.12
